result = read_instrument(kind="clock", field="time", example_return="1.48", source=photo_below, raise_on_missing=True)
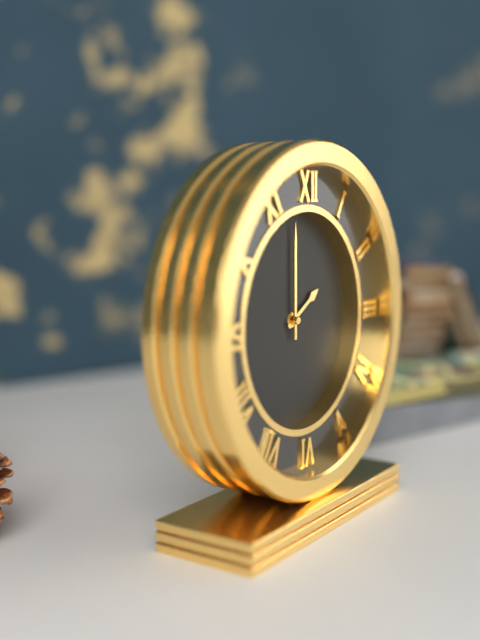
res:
2.00
